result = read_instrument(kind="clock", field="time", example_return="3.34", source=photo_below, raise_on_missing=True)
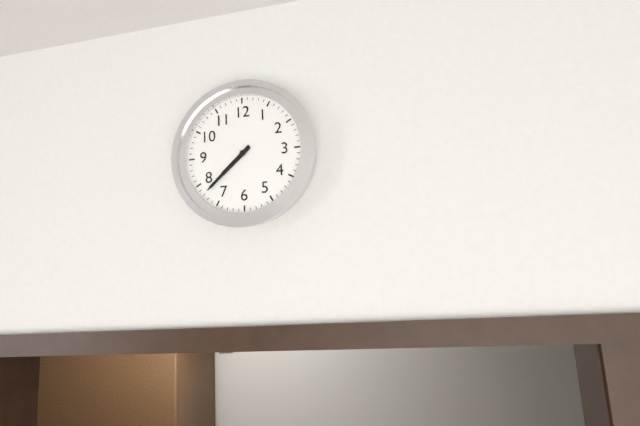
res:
7.38
